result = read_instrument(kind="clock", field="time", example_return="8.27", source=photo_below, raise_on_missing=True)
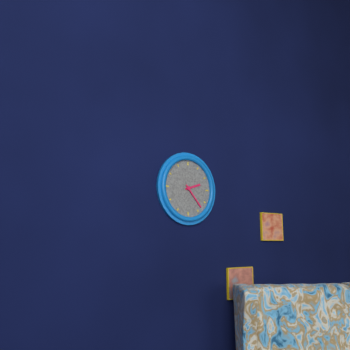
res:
2.23
